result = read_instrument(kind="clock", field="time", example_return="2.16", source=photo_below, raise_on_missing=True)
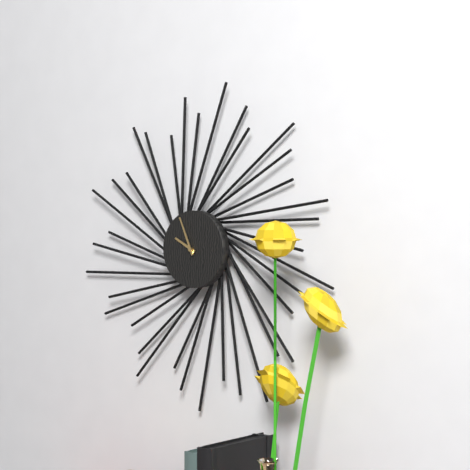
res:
9.56
